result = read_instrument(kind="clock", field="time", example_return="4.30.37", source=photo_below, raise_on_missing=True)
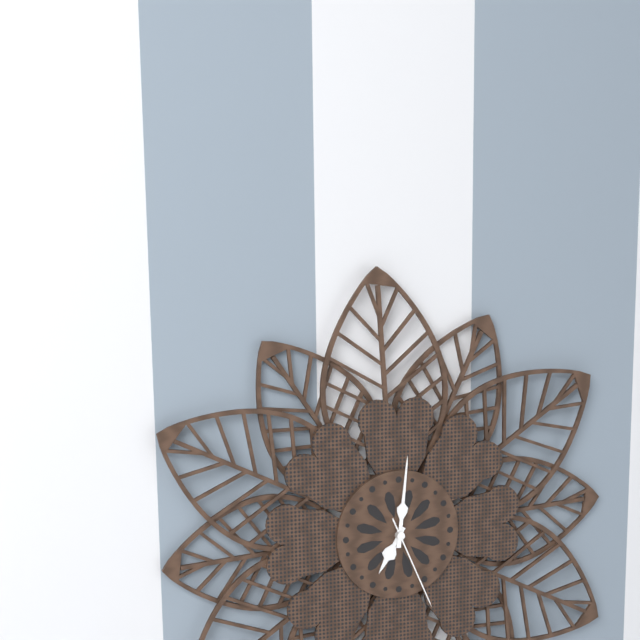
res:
7.01.26
